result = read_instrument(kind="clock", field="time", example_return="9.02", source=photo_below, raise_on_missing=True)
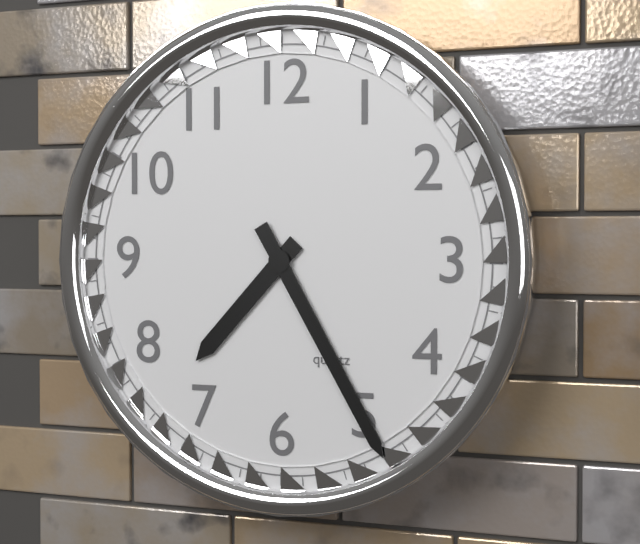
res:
7.25
